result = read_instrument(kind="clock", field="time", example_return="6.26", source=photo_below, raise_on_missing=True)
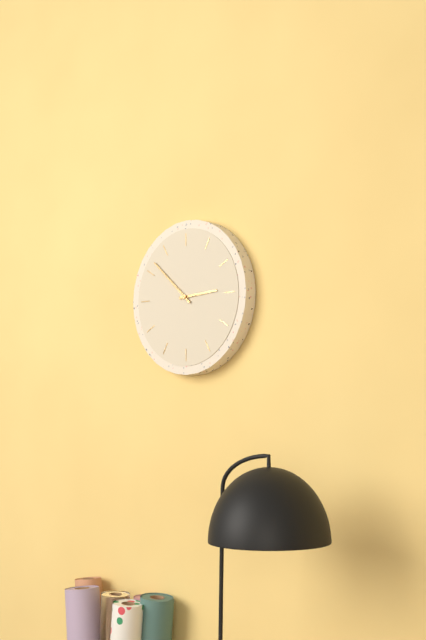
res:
2.52
